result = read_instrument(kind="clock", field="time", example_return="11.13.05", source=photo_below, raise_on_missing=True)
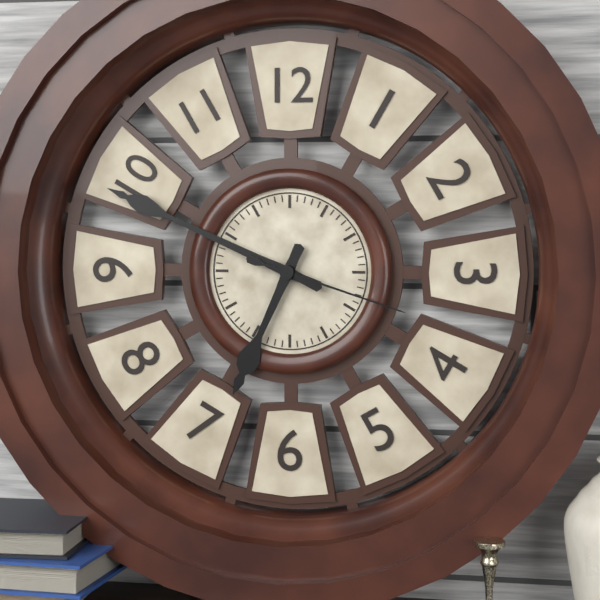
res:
6.49.18
